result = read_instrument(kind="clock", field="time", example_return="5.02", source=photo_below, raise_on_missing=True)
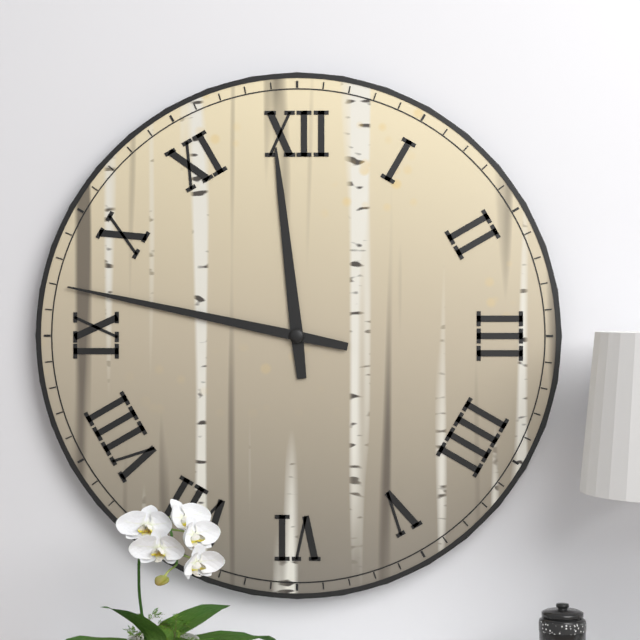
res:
11.47
